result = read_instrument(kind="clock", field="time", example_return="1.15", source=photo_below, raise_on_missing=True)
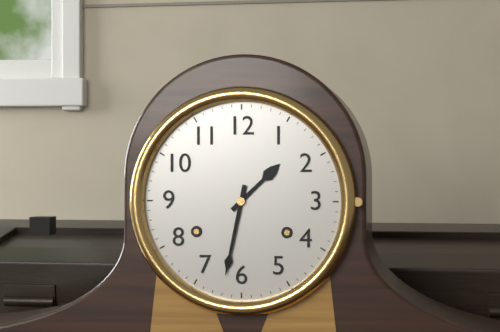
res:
1.32
